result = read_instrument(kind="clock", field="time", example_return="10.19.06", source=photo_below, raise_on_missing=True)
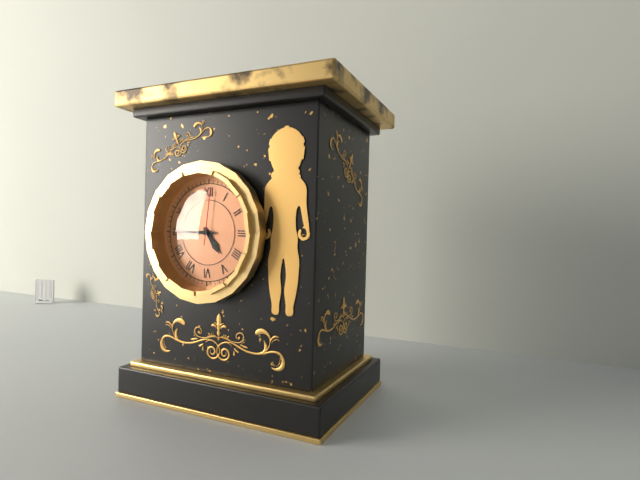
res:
4.45.01
